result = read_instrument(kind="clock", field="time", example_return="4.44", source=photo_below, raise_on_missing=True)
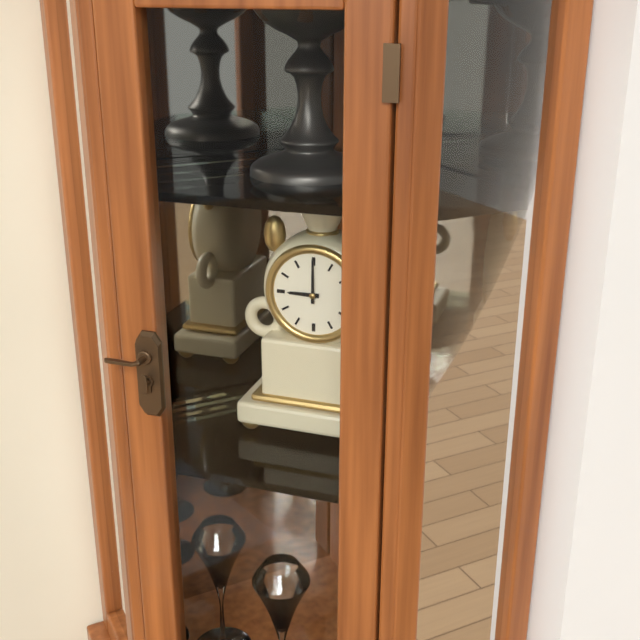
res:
9.00
